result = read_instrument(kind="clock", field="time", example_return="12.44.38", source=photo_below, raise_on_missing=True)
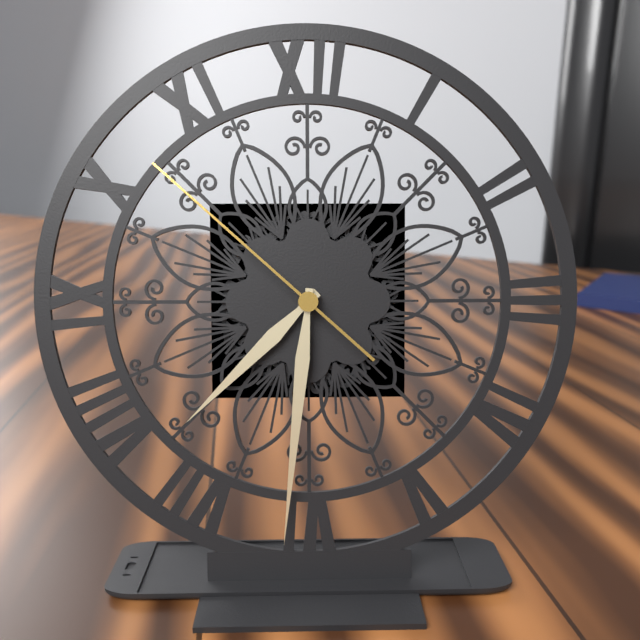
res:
7.31.52
